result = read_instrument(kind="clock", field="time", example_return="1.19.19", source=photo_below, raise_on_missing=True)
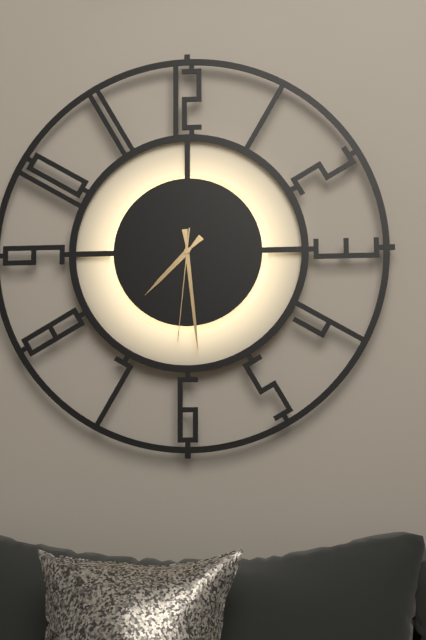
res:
7.29.31
